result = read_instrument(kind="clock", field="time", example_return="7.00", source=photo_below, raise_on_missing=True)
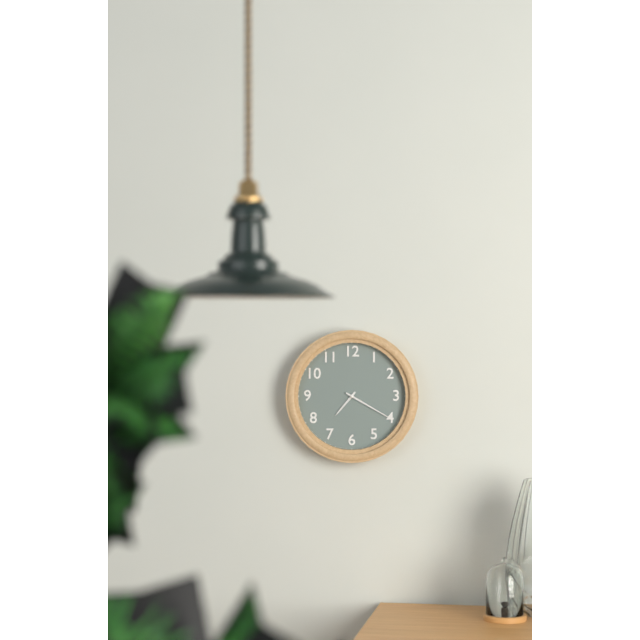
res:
7.20
